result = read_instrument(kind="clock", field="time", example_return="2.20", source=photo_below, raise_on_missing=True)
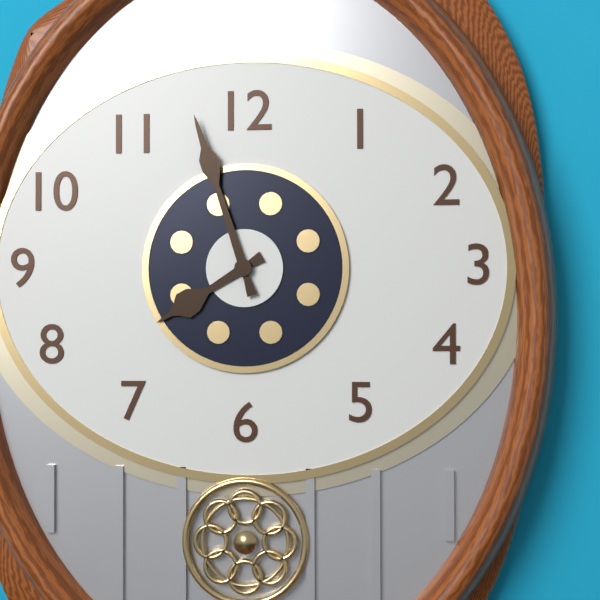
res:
7.57
